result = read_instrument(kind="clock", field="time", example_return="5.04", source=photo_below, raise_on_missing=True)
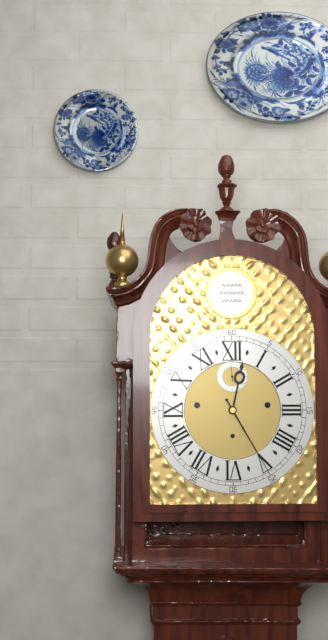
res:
12.25
